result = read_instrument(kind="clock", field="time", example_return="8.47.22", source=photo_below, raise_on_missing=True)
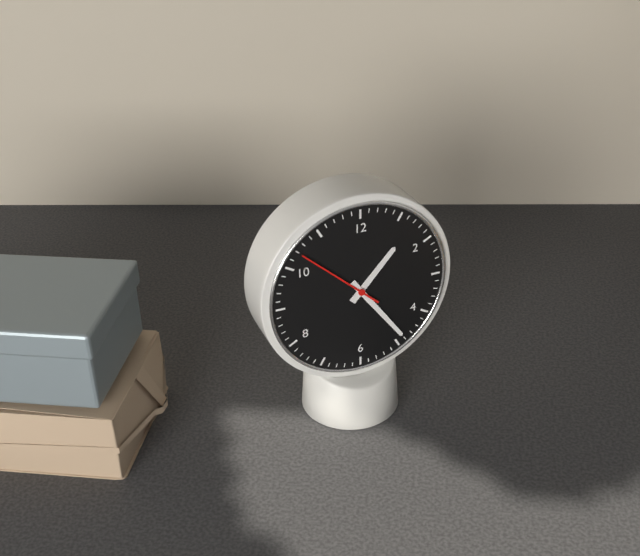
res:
1.24.52
